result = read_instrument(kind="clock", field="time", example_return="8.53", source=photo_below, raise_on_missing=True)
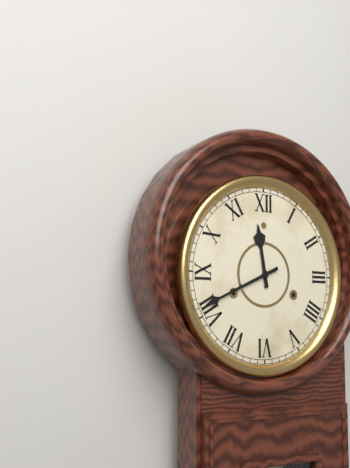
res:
11.41
